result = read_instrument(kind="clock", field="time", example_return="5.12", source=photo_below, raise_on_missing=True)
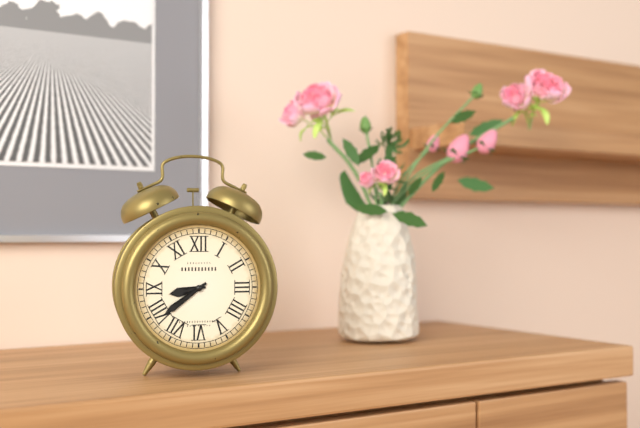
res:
8.39
